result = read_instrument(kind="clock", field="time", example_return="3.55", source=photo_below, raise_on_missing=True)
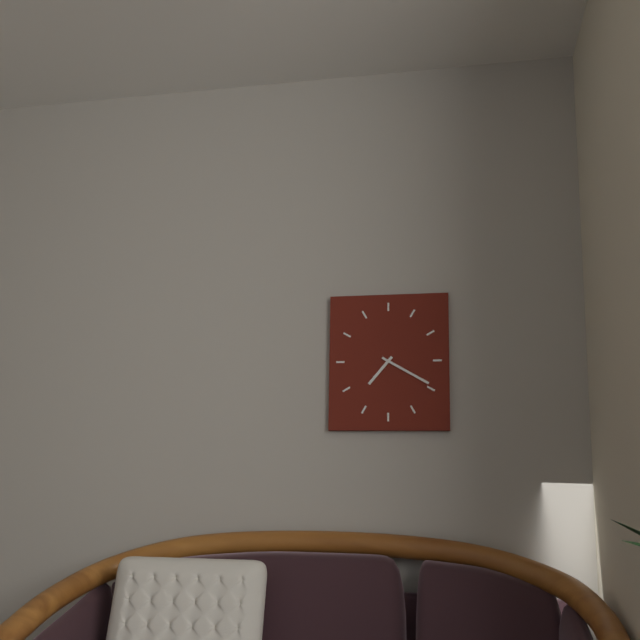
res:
7.20
